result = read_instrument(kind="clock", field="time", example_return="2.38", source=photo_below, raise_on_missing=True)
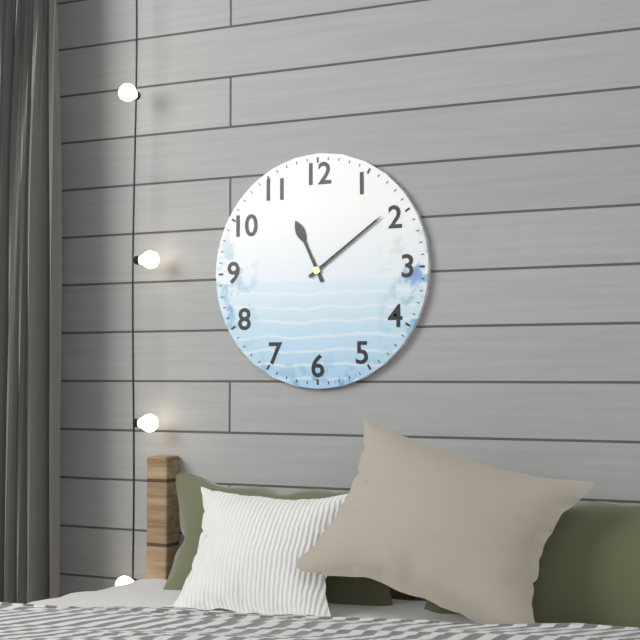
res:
11.09
